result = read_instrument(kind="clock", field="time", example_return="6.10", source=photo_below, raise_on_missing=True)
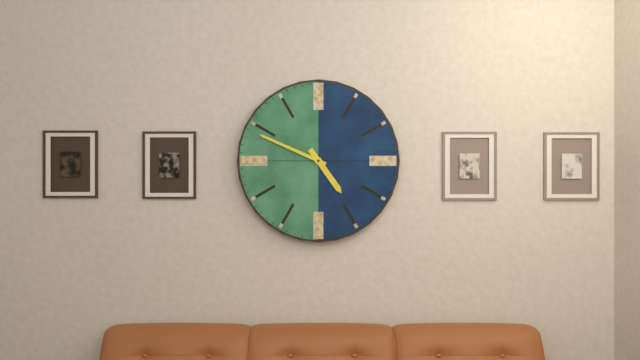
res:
4.49
